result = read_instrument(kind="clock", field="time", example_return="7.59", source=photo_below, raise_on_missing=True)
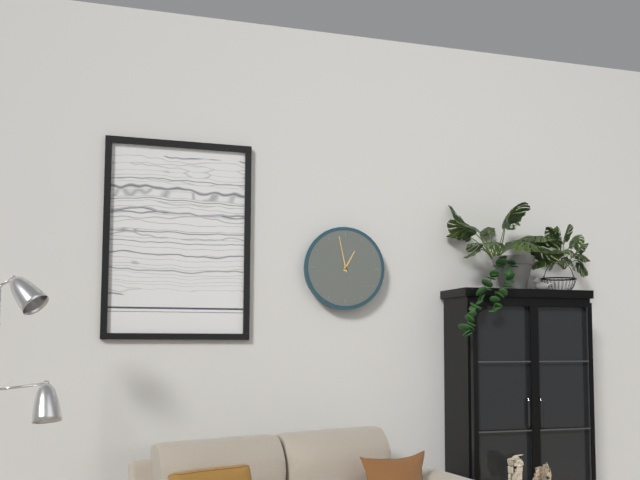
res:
12.58
